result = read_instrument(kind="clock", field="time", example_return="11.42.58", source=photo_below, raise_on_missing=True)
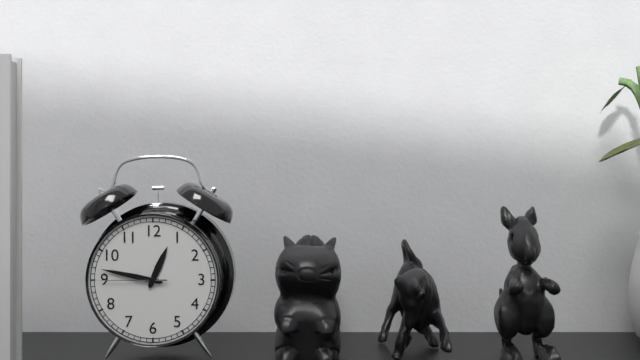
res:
12.47.45
